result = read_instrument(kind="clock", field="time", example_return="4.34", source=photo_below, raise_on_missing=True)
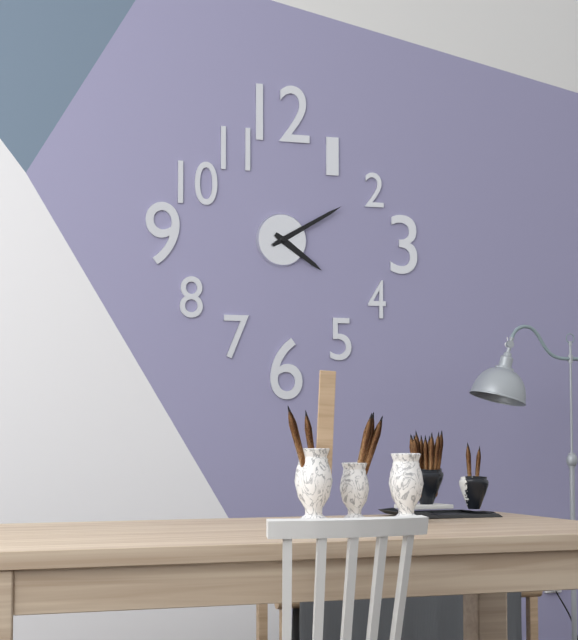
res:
4.10
